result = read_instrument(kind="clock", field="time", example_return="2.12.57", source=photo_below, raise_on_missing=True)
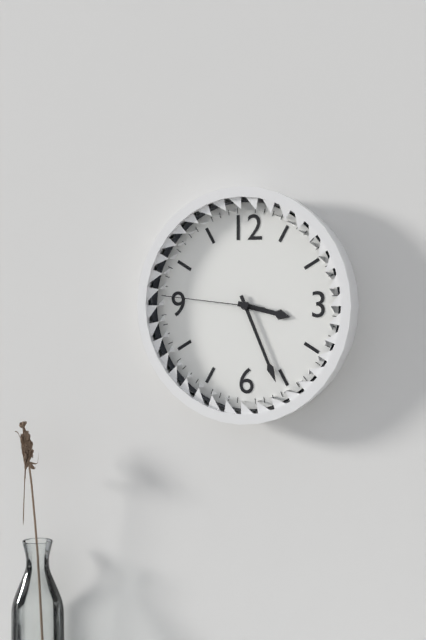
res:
3.26.46
